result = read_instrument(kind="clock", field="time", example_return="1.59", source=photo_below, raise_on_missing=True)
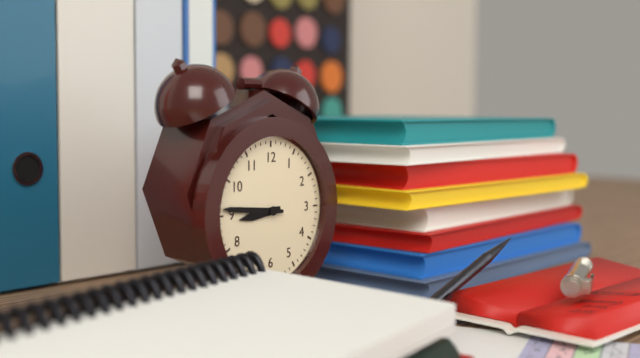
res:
8.46
